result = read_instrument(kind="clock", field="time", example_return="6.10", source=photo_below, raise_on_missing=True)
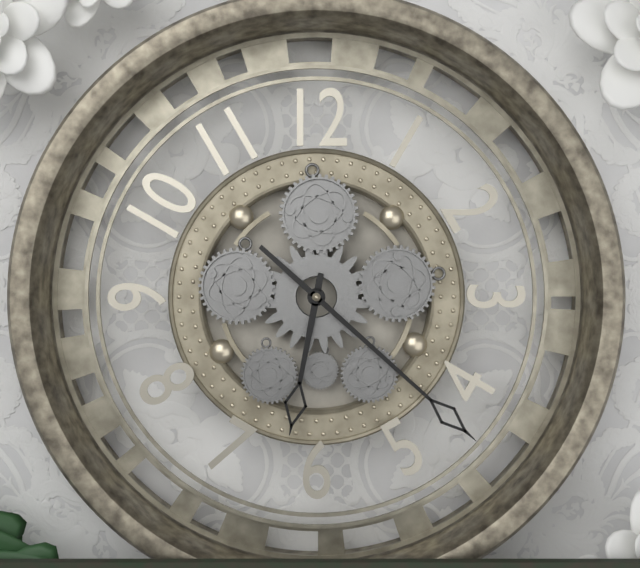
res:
6.22
